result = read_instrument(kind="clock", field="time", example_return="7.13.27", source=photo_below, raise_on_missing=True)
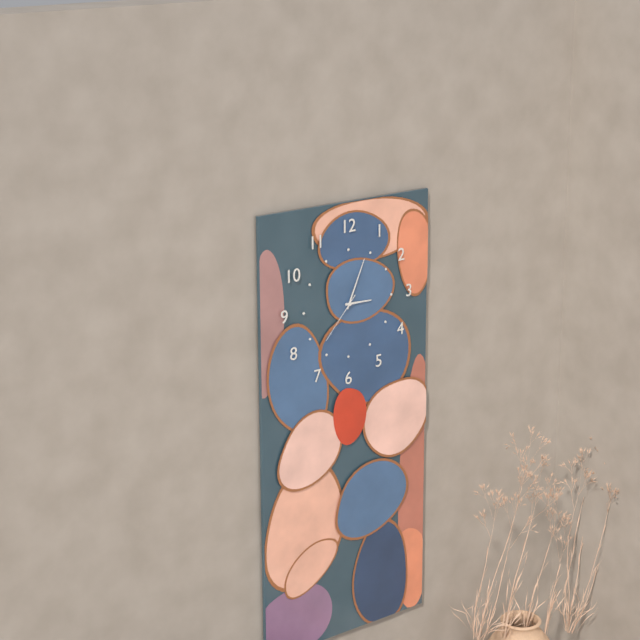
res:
3.04.37
